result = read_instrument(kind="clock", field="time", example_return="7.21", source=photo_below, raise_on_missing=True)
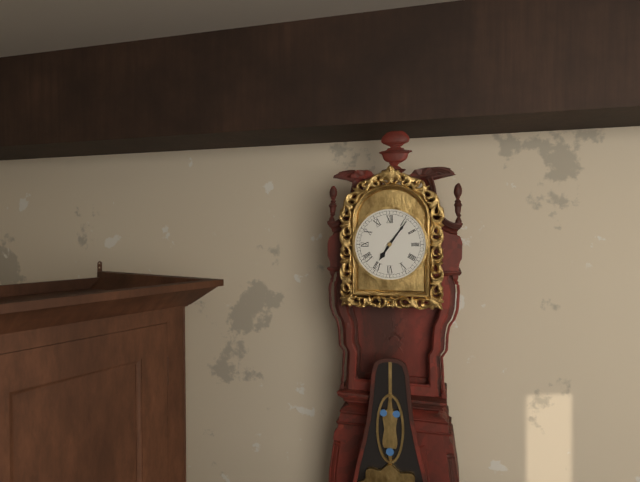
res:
7.06
